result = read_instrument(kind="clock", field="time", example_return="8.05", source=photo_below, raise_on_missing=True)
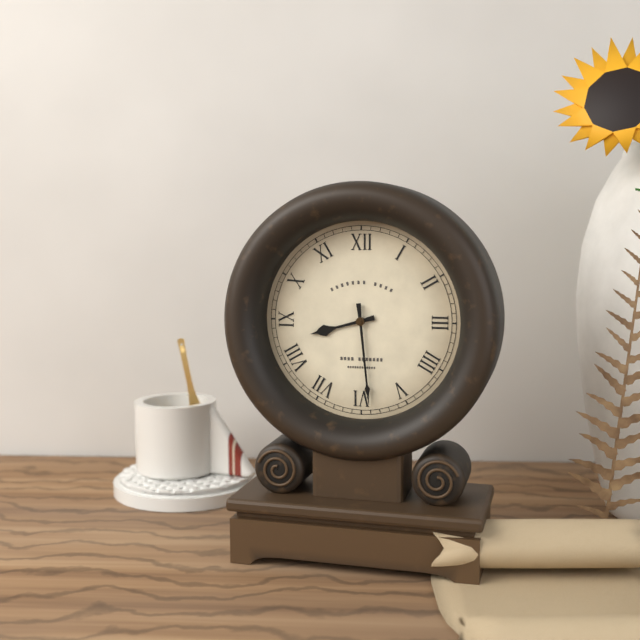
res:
8.29
